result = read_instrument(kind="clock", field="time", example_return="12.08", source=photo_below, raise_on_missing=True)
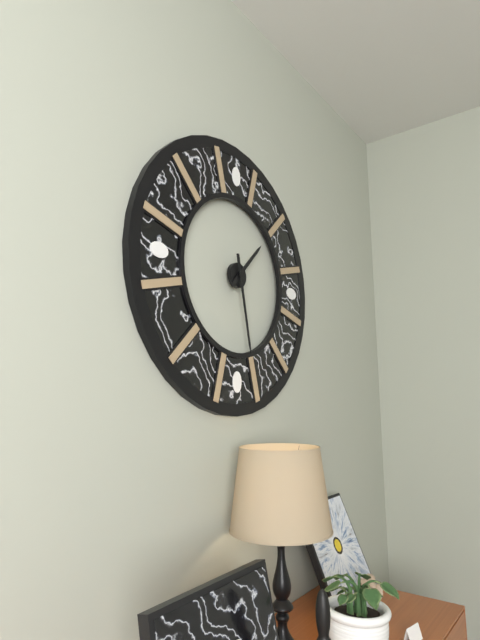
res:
1.28
